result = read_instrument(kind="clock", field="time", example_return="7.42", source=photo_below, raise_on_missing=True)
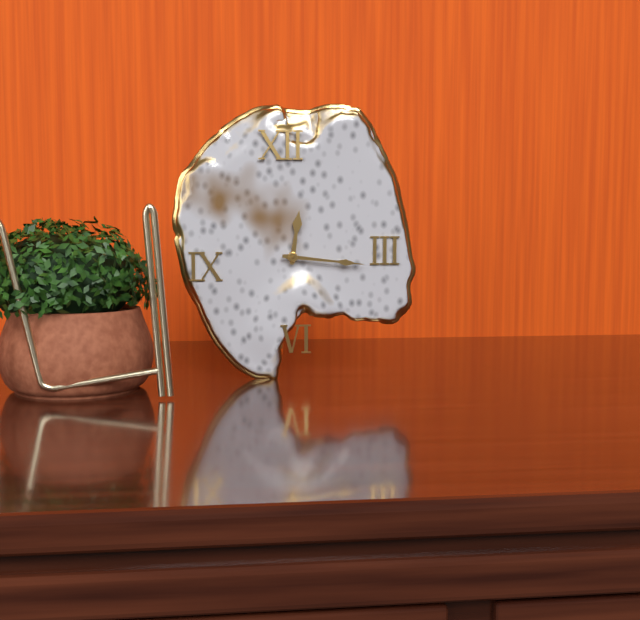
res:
12.16
